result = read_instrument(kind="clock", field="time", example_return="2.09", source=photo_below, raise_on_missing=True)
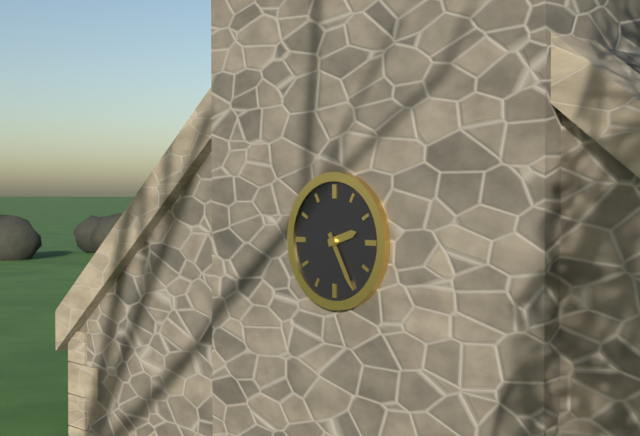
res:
2.25
